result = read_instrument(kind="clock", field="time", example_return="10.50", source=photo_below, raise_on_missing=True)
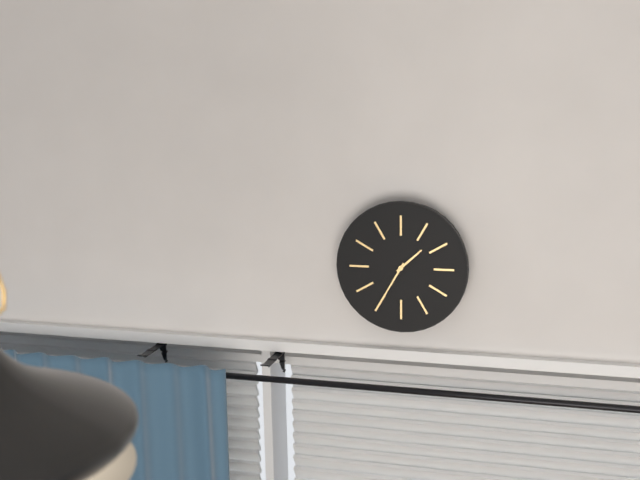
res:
1.35
